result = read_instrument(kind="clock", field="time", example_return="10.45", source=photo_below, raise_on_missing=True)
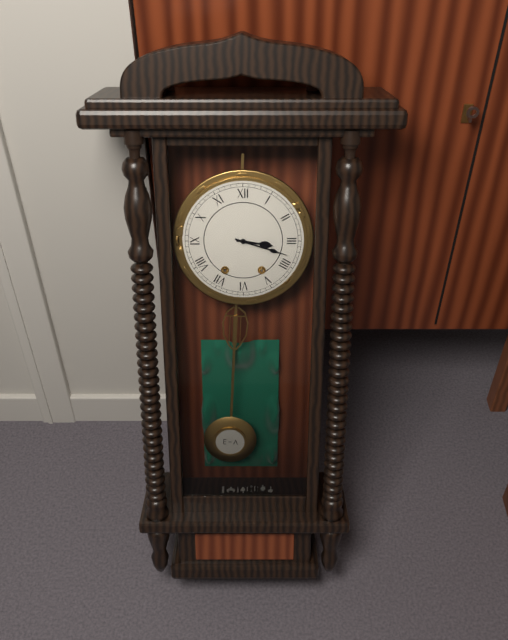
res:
3.18
